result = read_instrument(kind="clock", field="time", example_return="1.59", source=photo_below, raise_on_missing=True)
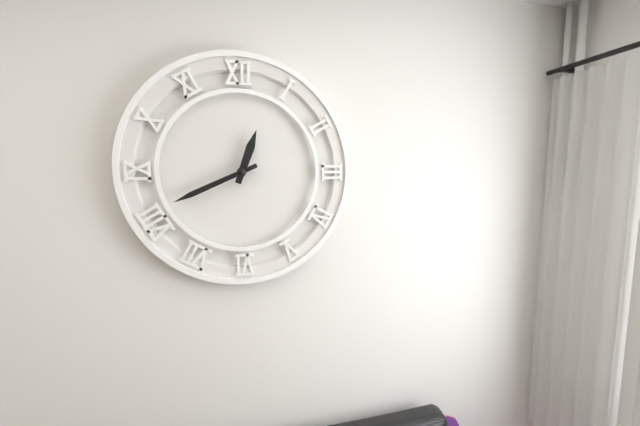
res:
12.41
